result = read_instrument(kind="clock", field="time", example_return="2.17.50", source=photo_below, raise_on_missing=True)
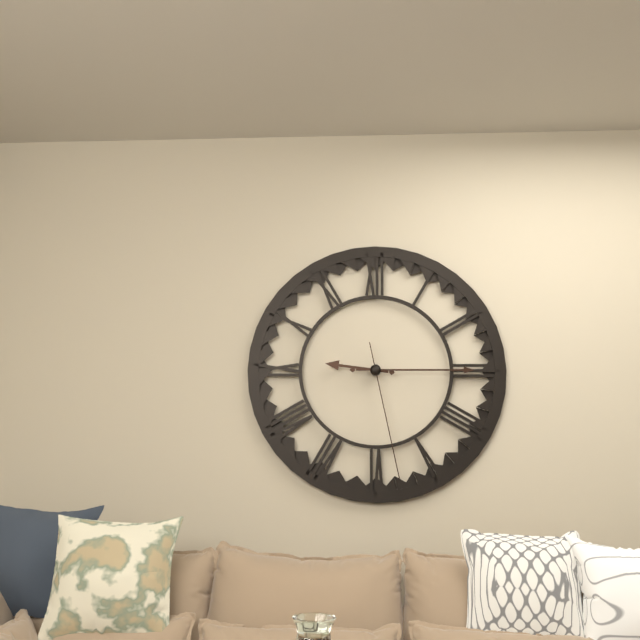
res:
9.15.28
